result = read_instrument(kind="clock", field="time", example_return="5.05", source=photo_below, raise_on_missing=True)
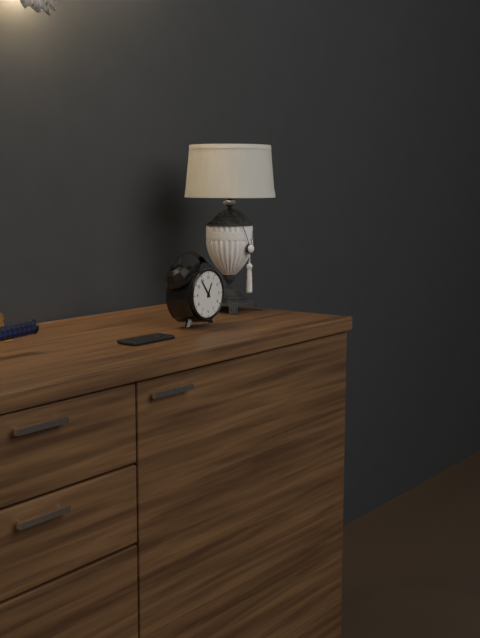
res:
12.54
